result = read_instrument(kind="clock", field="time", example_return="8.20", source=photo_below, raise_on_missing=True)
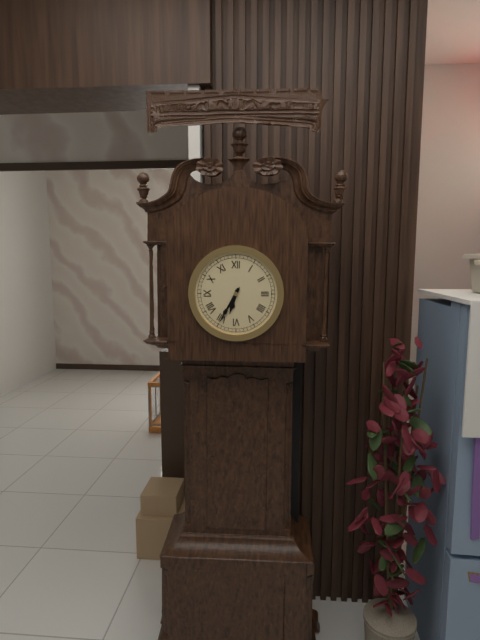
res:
6.35
